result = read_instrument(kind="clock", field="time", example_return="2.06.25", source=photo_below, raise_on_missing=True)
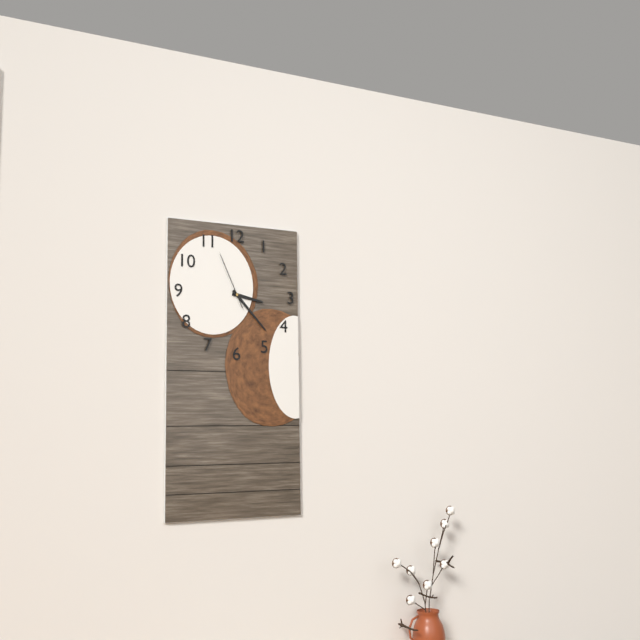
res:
3.23.56
